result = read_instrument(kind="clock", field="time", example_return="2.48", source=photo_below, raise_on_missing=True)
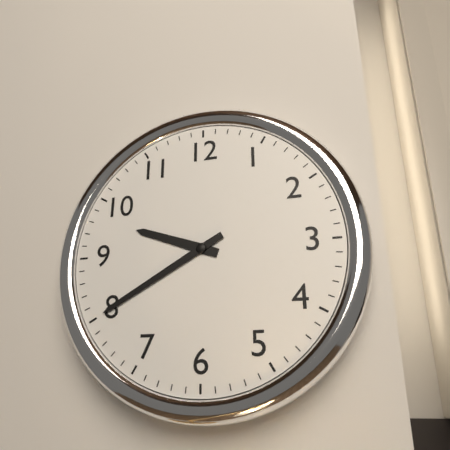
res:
9.40
